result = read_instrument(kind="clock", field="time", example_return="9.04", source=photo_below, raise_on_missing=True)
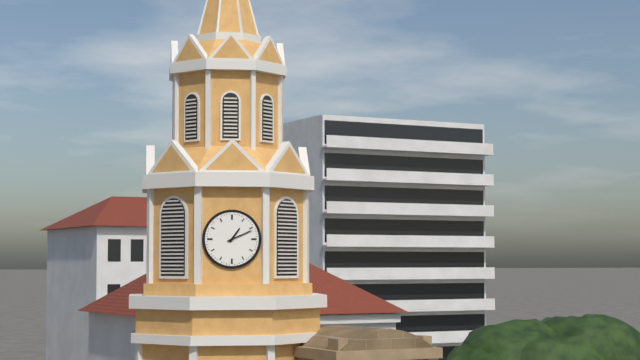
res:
1.11
